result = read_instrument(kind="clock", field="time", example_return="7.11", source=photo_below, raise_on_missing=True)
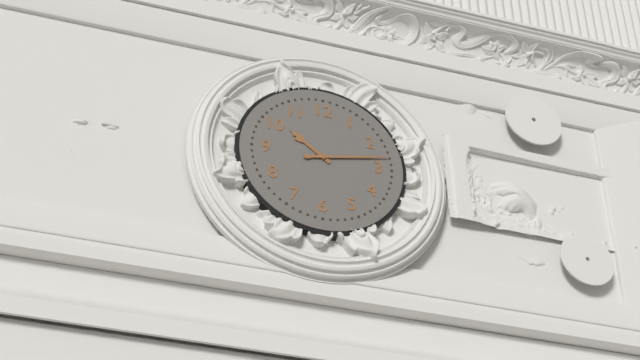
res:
10.13
